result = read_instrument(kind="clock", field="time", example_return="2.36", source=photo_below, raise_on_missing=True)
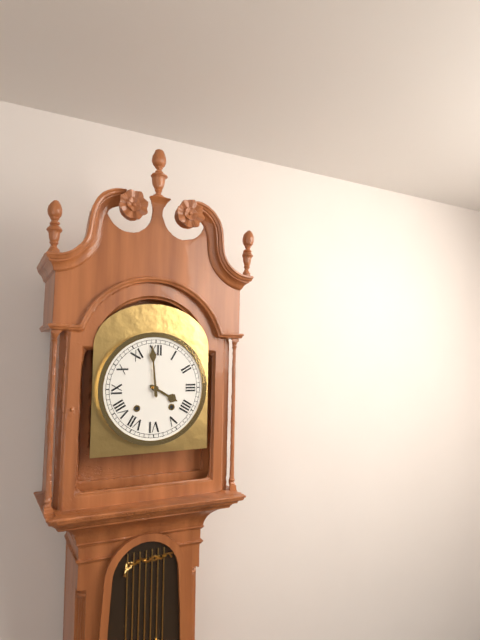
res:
3.59
